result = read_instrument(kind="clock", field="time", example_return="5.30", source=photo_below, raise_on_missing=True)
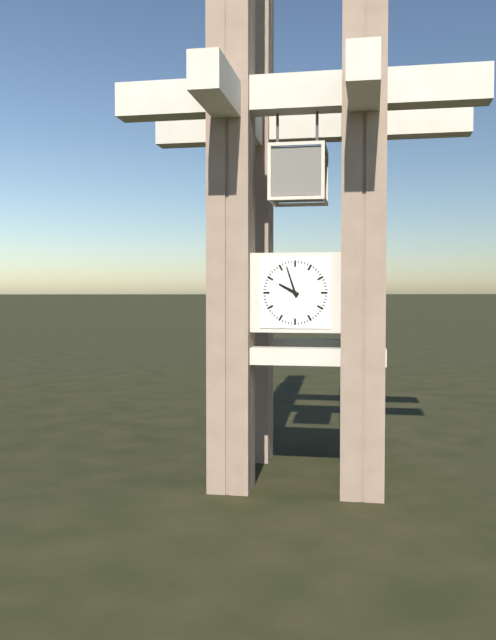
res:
9.57
